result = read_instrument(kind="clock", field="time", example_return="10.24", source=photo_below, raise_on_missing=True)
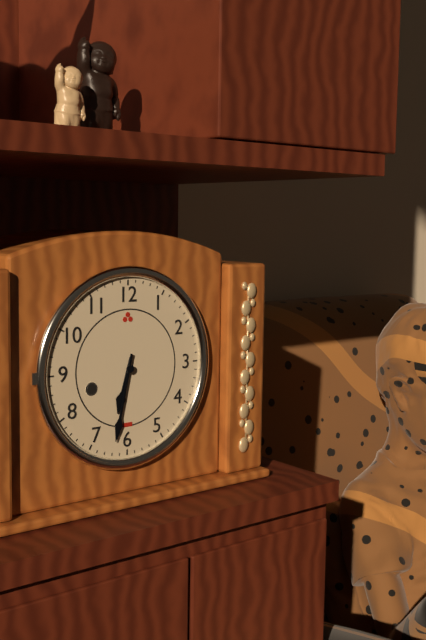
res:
6.32
